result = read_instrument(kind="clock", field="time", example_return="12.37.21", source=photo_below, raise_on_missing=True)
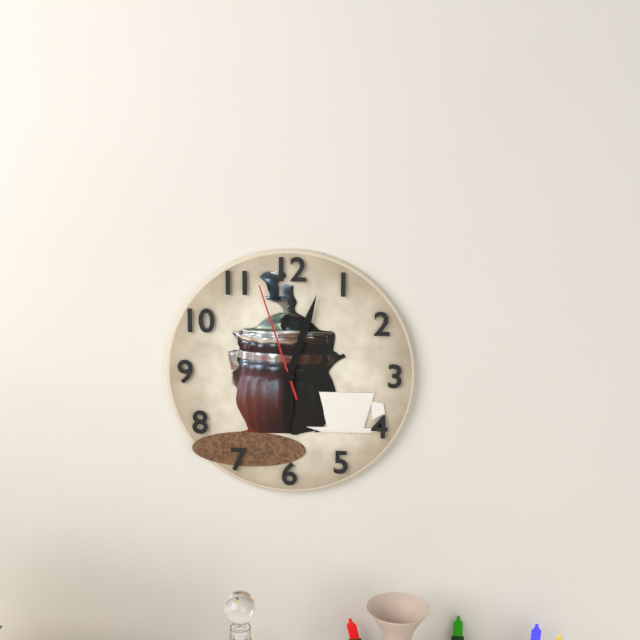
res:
6.03.57
